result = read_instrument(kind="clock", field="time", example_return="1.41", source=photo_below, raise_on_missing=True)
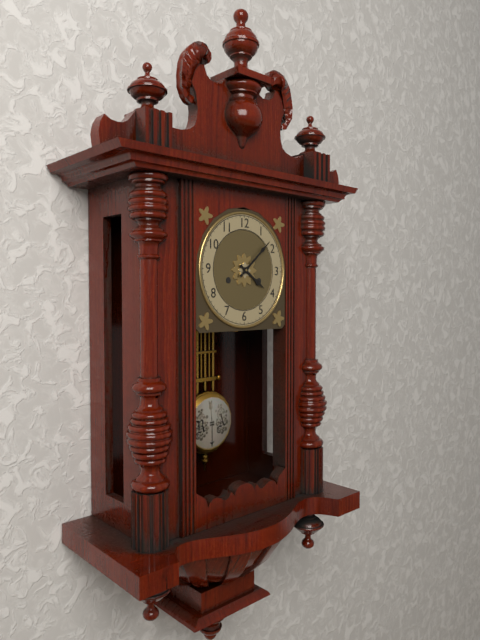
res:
4.08
